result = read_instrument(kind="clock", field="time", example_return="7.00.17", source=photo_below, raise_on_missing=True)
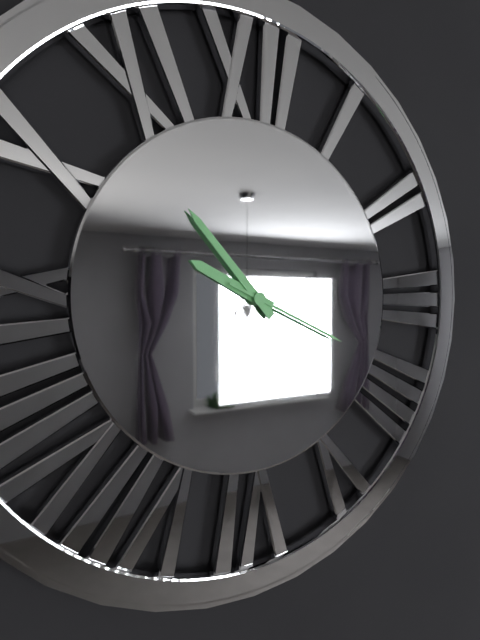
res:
9.53.19
